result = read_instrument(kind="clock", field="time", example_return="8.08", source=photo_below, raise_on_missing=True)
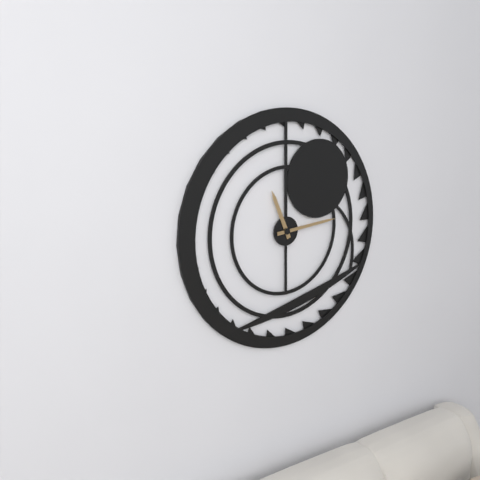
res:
11.14
